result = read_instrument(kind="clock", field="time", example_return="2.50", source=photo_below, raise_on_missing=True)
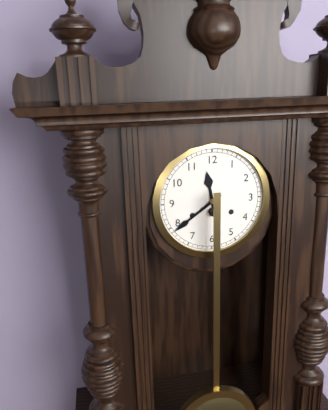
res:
11.39
